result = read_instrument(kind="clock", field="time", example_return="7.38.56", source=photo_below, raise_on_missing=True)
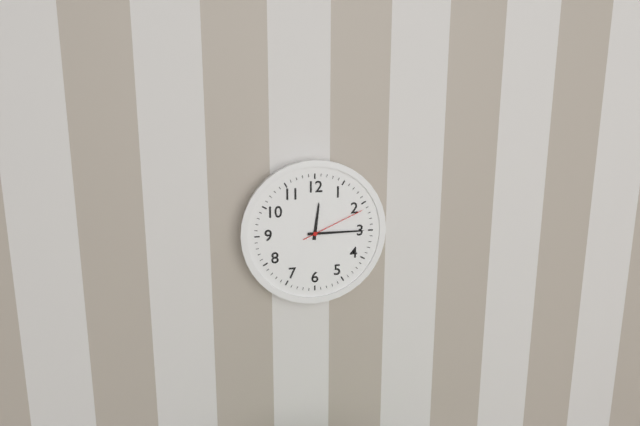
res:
12.15.11
